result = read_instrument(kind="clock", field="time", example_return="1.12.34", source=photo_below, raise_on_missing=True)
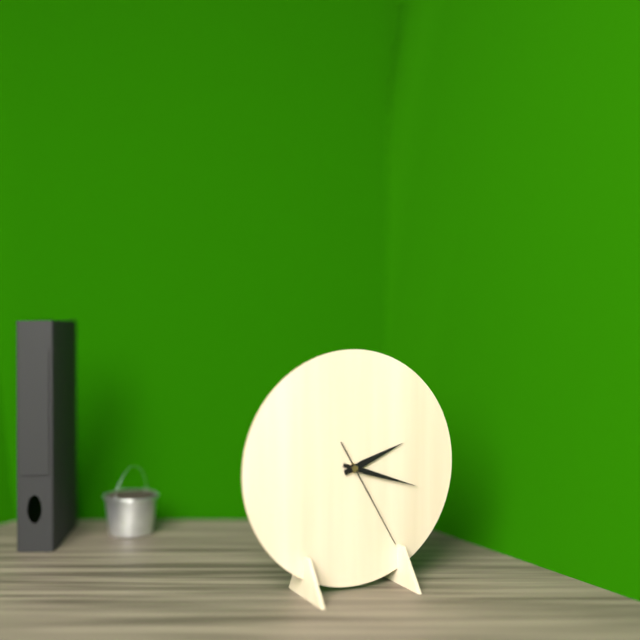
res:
2.18.25
